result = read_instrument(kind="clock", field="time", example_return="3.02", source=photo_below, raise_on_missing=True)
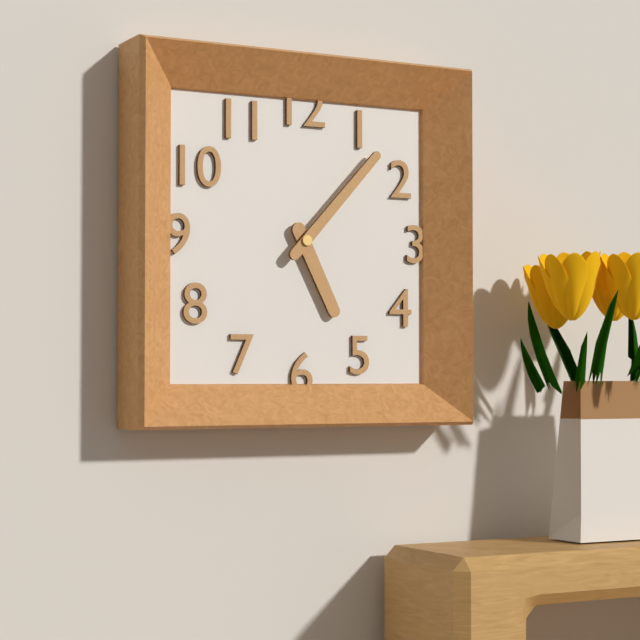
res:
5.07
